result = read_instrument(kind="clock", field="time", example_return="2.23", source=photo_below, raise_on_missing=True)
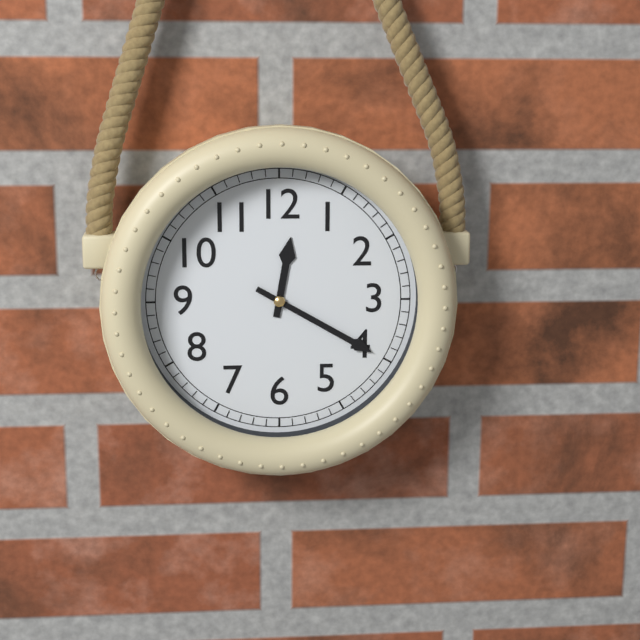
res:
12.20
